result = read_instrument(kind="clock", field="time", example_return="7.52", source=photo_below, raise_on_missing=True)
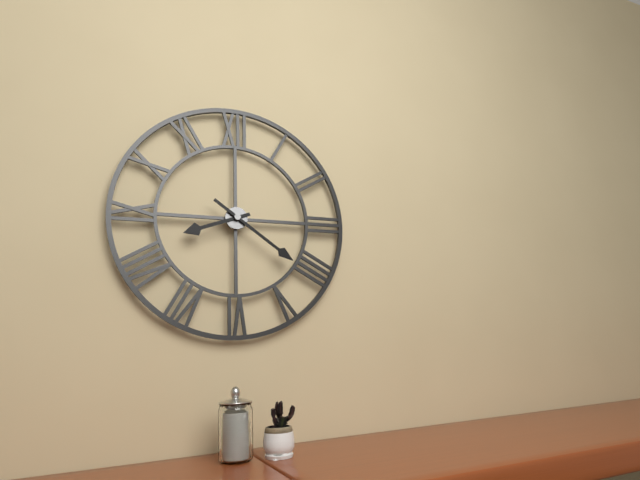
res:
8.21
